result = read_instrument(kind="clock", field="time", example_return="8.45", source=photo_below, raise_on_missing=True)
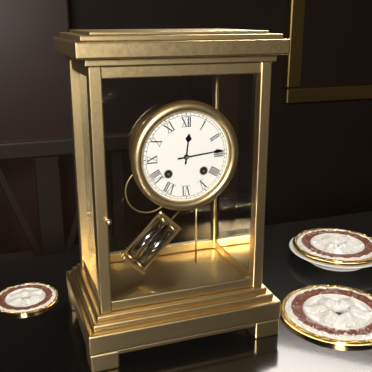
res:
12.14
